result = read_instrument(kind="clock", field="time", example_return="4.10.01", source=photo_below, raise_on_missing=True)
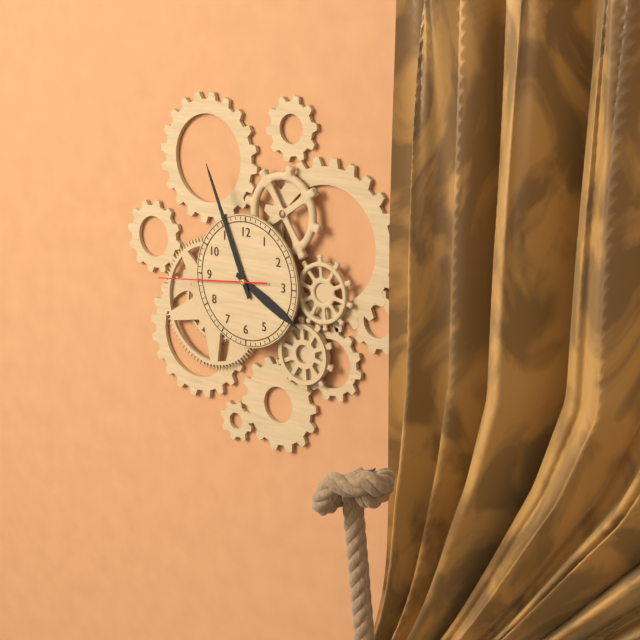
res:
3.56.44
